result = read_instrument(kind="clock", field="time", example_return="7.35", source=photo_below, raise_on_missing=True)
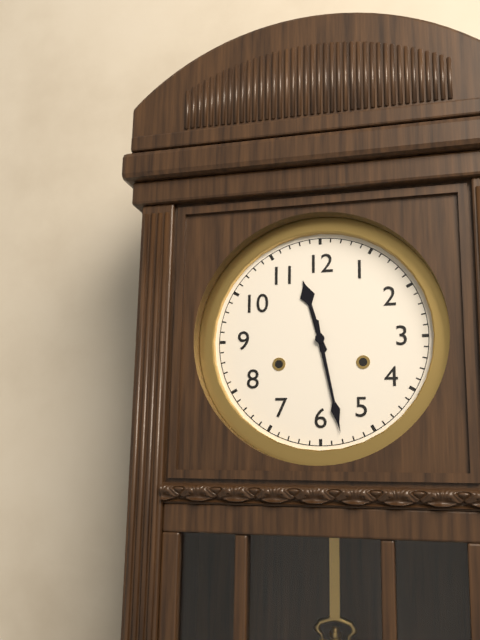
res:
11.28
